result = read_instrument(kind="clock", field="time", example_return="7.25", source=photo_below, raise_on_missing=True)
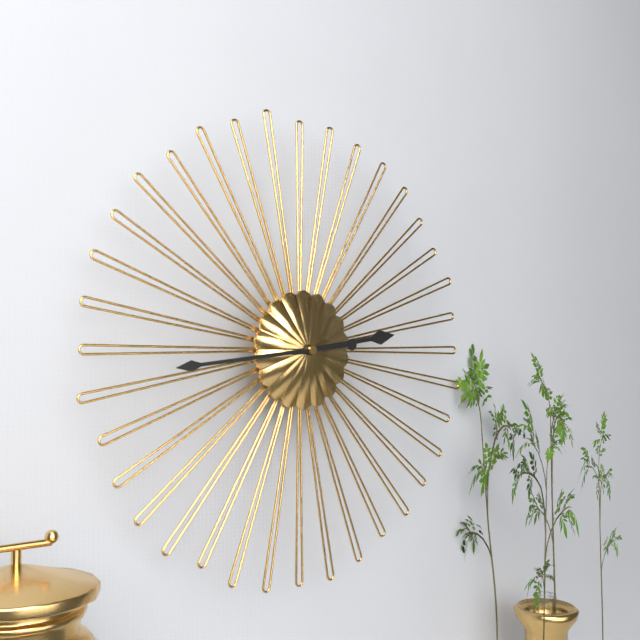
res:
2.44
